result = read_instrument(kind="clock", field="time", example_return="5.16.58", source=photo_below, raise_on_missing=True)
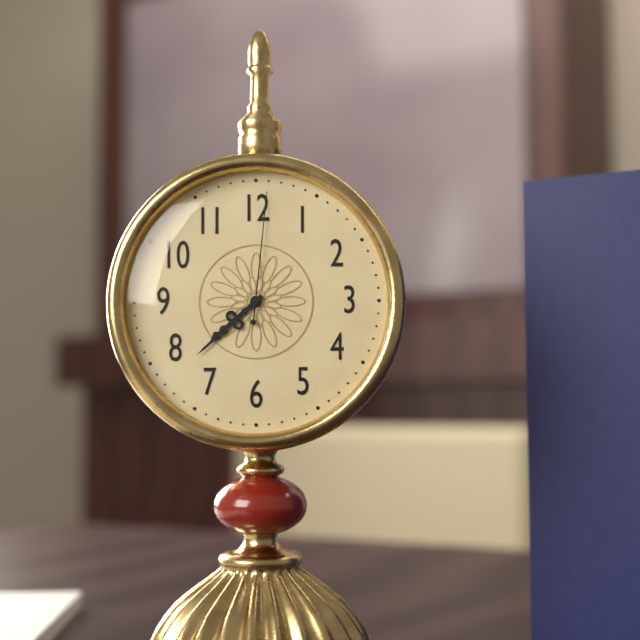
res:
7.38.01
